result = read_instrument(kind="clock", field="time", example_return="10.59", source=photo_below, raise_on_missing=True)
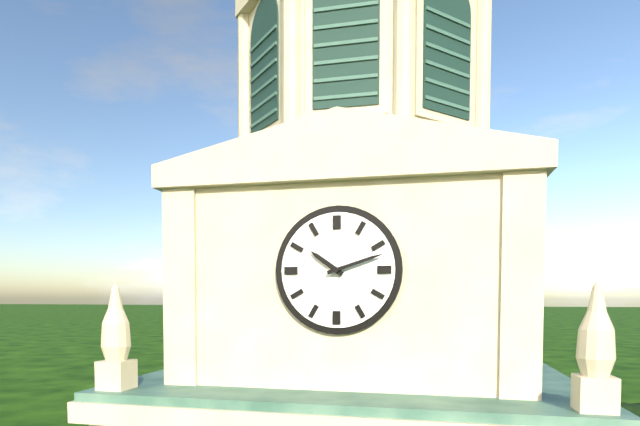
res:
10.12
